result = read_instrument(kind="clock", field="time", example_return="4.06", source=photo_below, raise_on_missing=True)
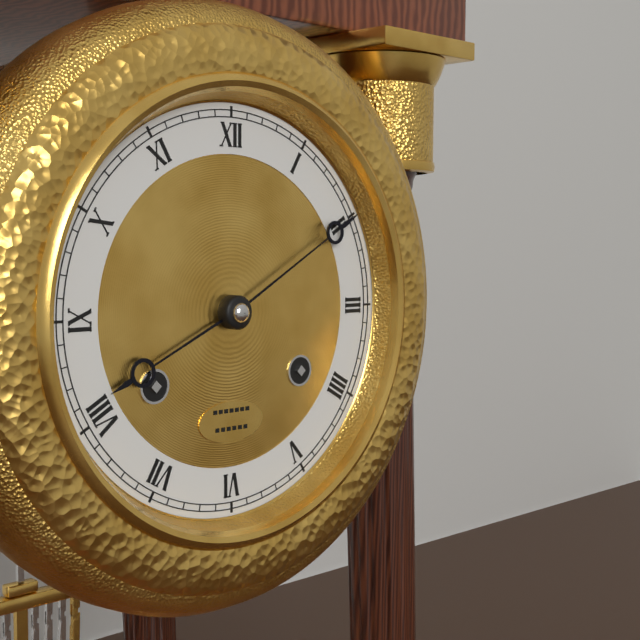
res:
8.10
